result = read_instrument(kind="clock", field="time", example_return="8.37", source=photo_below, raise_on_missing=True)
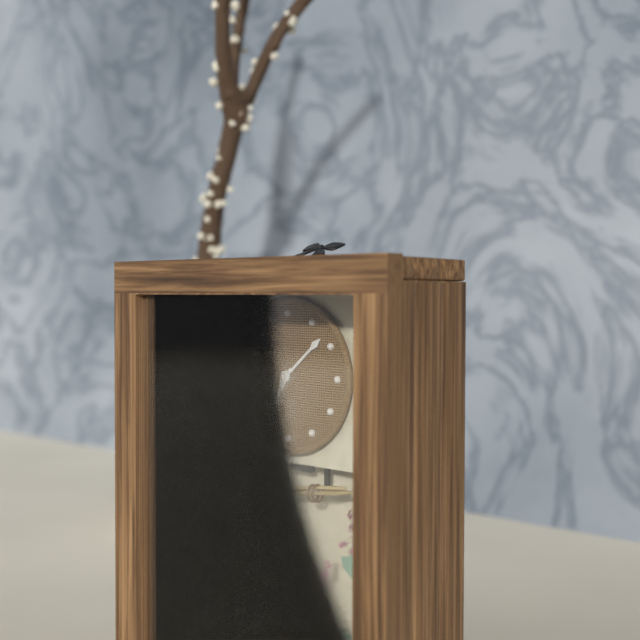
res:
7.08
